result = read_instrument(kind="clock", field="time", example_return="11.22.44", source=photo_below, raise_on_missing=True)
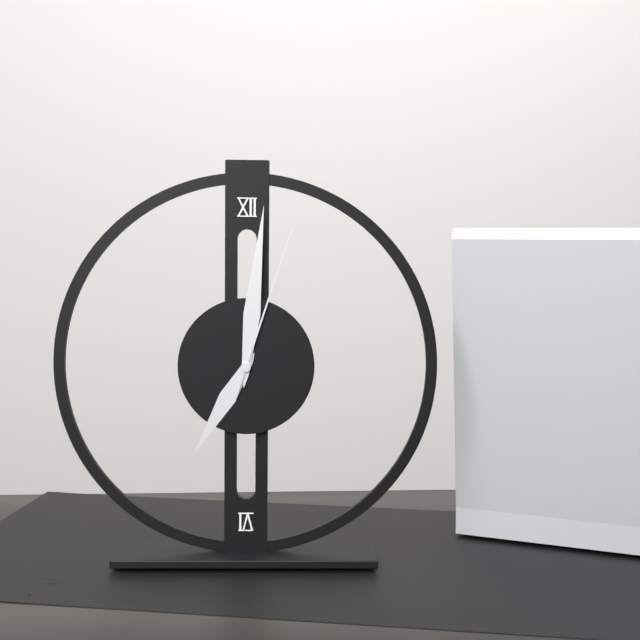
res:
7.01.03
